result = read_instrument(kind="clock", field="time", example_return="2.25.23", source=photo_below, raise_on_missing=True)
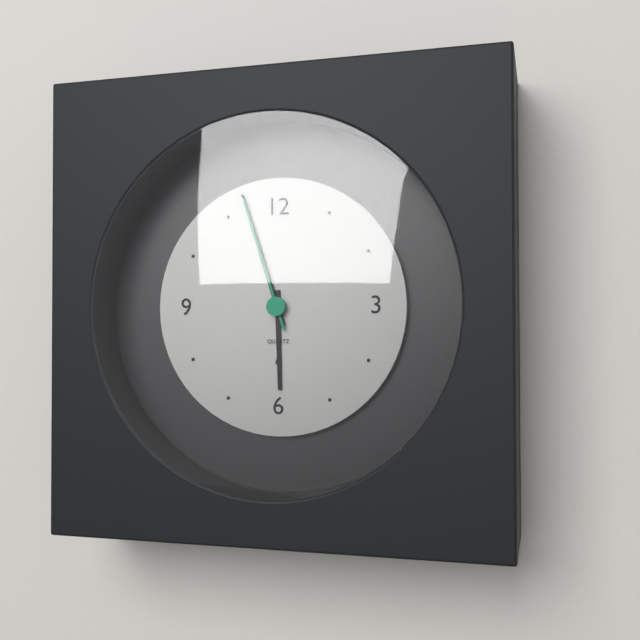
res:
5.57.57
